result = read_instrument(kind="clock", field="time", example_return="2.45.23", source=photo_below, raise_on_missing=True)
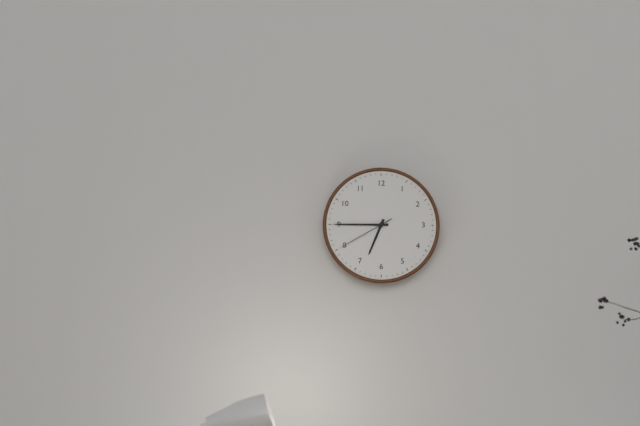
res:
6.45.40
